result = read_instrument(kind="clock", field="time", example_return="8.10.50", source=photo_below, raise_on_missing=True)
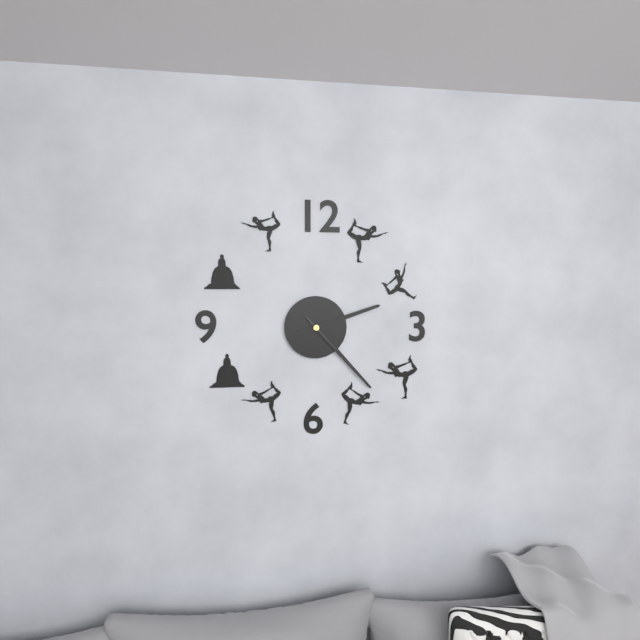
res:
2.23.23
